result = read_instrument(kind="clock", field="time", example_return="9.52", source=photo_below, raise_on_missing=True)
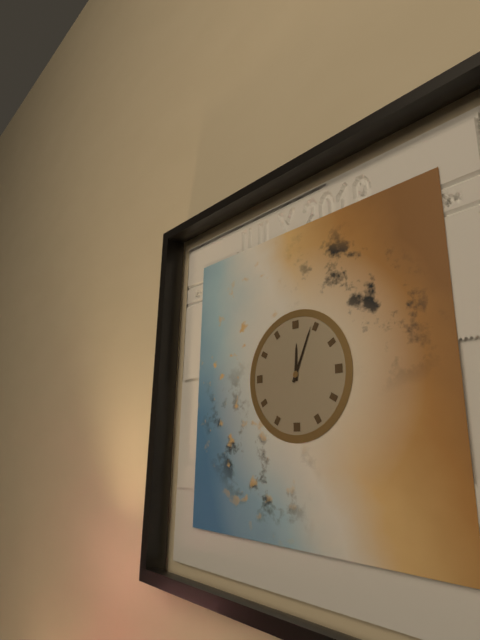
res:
12.04
